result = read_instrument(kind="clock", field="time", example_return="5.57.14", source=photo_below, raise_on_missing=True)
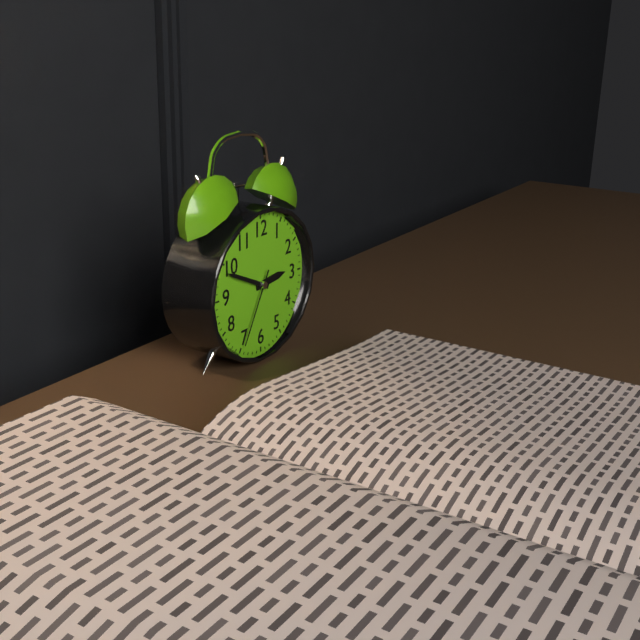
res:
2.49.35
